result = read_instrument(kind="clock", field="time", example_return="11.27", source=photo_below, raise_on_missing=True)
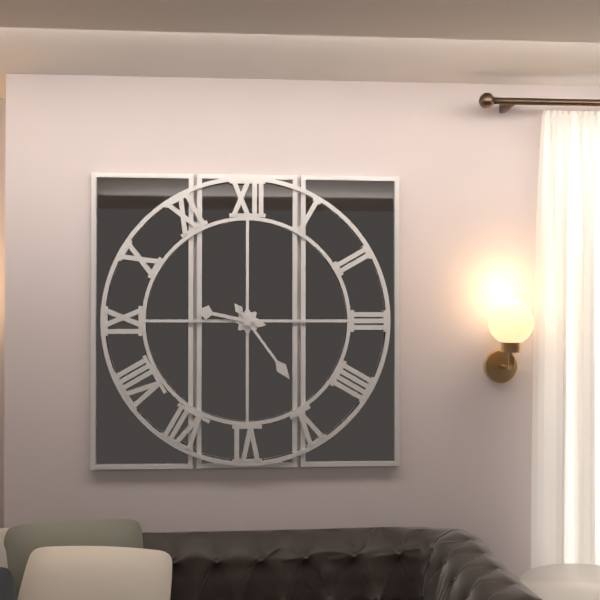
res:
9.24
